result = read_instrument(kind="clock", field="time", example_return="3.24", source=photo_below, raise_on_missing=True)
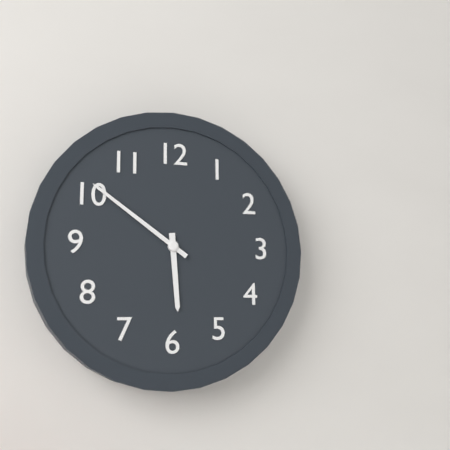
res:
5.51
